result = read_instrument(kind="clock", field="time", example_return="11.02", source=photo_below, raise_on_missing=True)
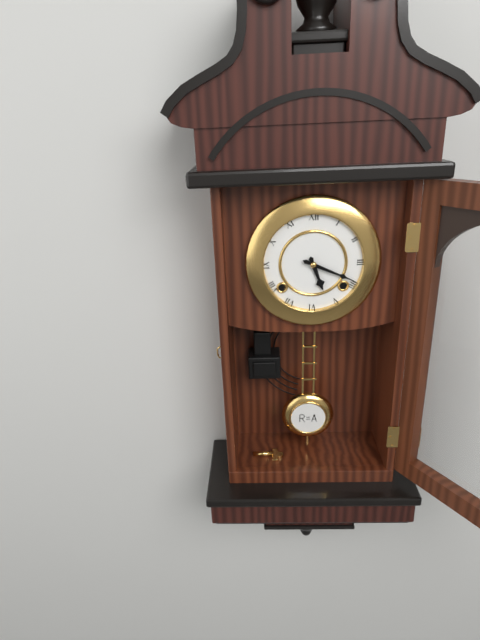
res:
5.19
